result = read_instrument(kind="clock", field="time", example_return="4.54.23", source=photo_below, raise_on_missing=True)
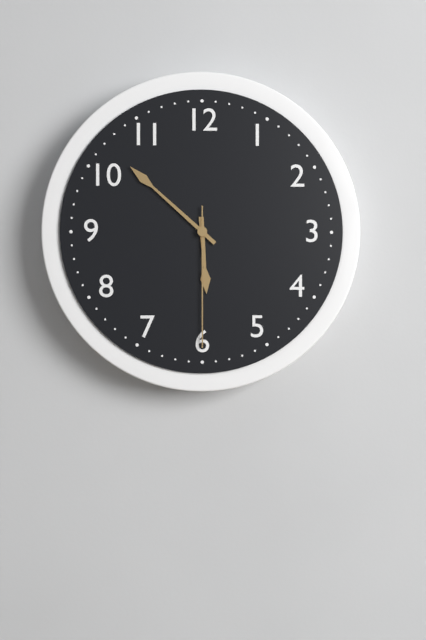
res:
5.52.30
